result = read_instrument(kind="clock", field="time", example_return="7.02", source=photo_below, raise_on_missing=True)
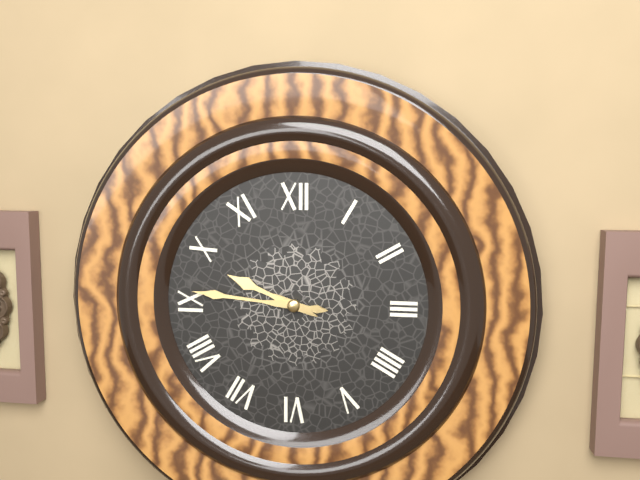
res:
9.46
